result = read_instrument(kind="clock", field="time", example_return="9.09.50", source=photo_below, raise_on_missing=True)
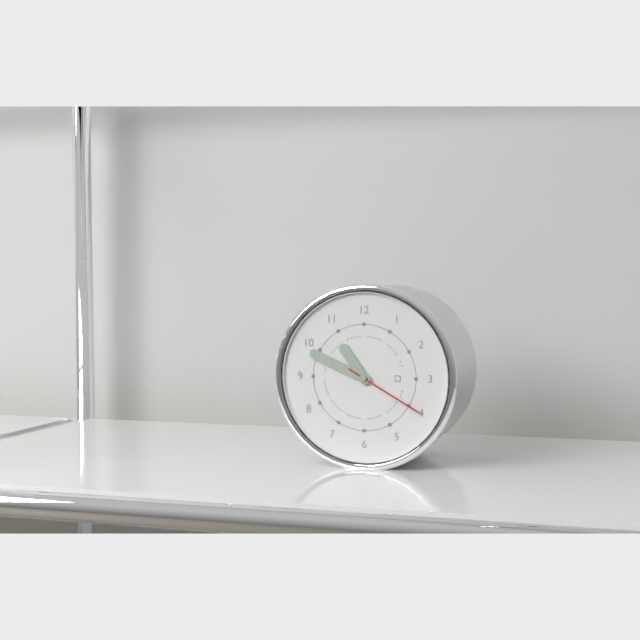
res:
10.49.20
